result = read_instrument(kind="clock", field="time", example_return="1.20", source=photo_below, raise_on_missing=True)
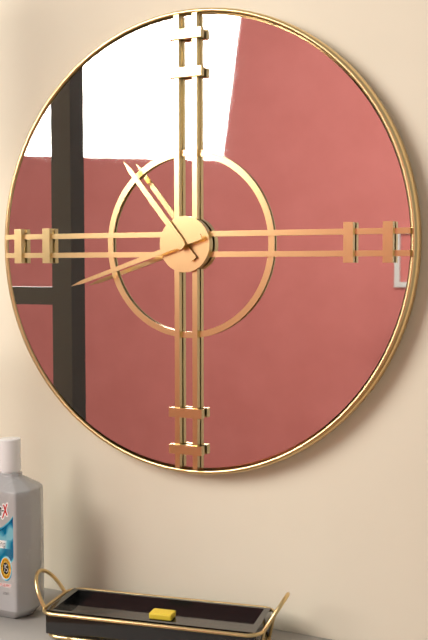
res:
10.42
